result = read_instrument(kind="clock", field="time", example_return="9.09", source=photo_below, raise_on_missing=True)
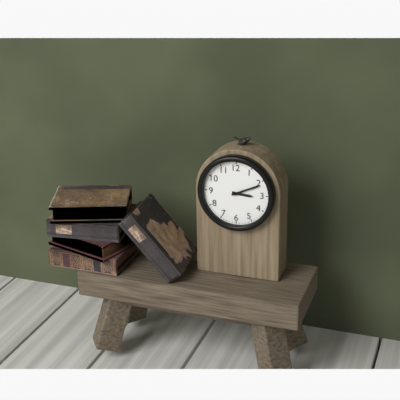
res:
3.11
